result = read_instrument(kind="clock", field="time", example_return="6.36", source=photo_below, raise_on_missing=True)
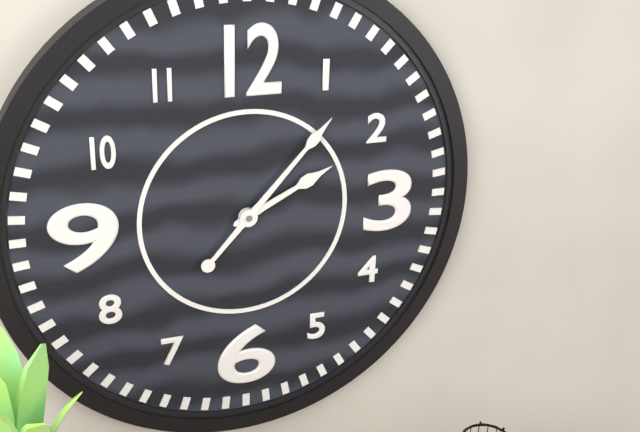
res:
2.07
